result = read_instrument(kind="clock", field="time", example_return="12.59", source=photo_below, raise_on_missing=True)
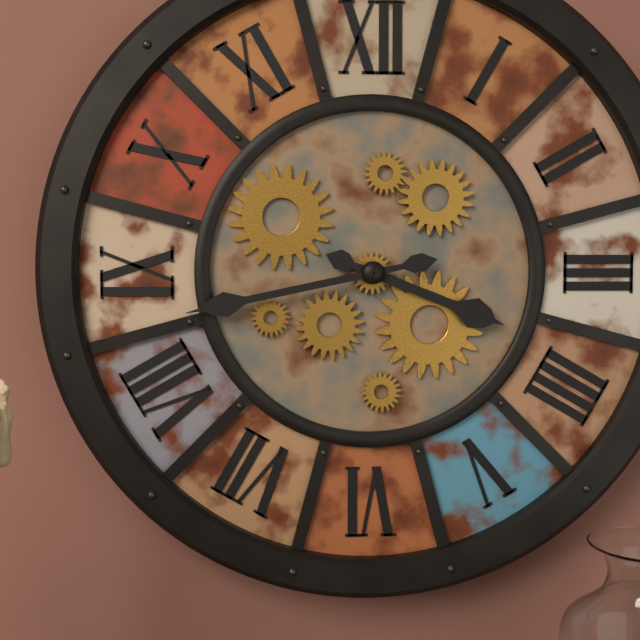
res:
3.43
